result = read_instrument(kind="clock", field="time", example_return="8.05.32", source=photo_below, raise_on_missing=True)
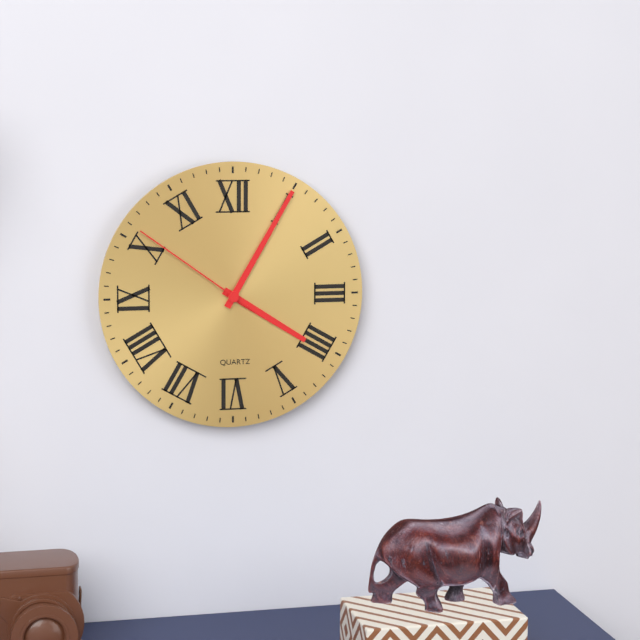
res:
4.05.51
